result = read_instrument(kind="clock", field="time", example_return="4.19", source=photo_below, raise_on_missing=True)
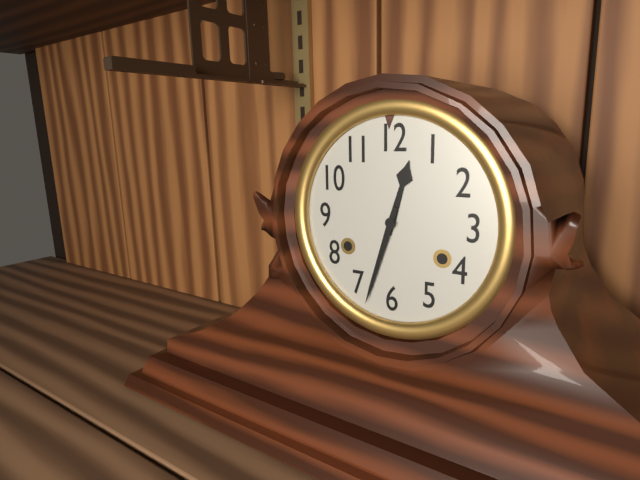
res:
12.33
